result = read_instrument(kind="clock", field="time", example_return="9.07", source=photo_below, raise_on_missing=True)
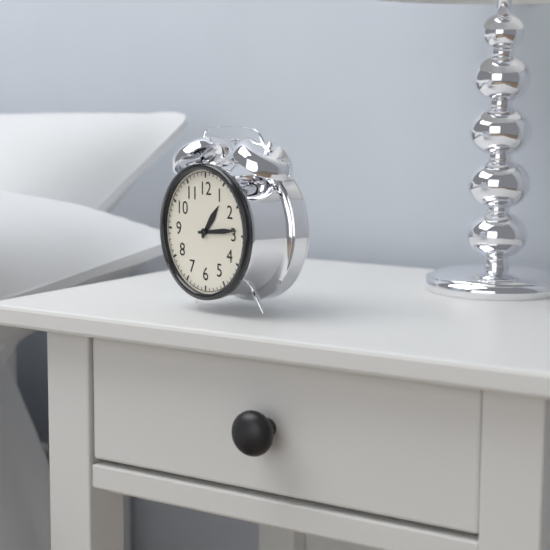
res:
1.14
